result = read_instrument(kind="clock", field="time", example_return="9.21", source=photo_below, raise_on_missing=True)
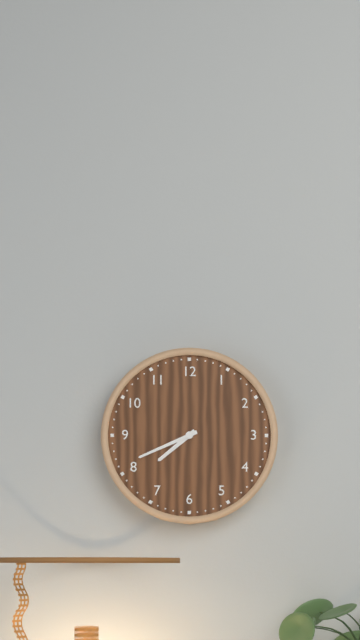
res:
7.41
